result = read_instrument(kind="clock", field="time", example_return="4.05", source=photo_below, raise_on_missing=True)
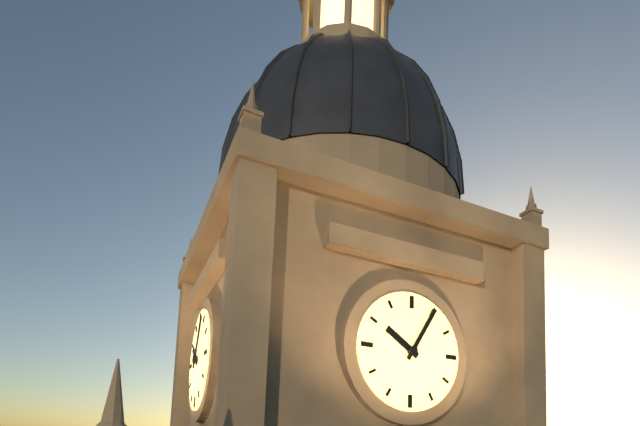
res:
10.05
